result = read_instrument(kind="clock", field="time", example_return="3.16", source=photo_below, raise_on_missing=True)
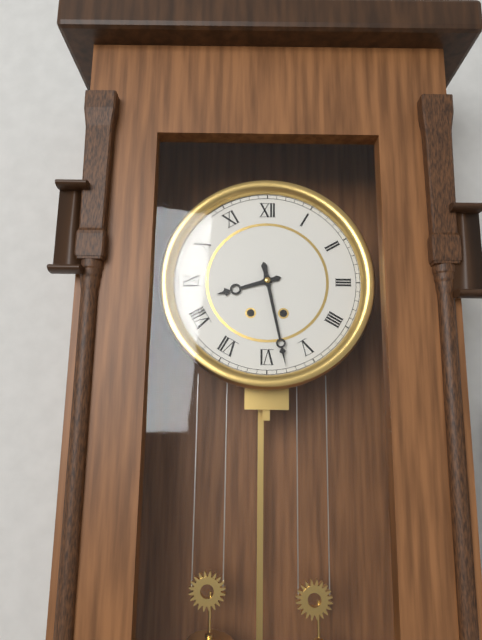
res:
8.28
